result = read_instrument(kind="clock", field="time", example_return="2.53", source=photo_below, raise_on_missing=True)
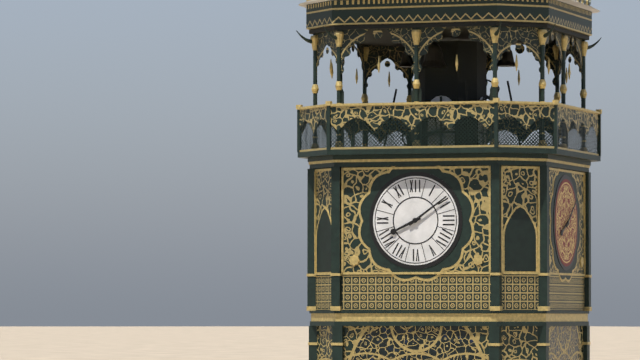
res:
8.09
